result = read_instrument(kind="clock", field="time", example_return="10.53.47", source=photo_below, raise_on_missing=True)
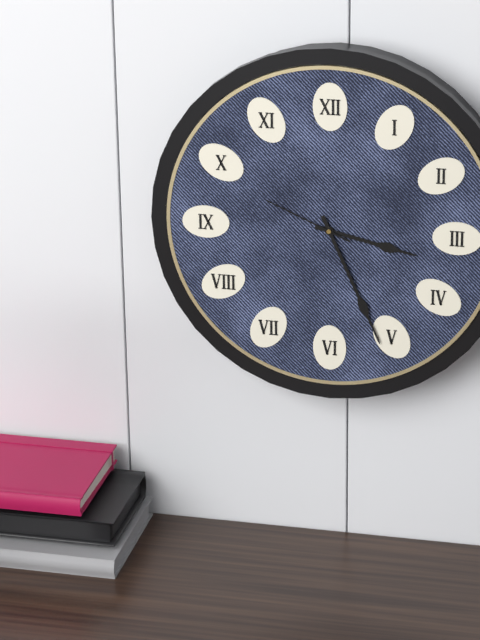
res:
3.26.49
